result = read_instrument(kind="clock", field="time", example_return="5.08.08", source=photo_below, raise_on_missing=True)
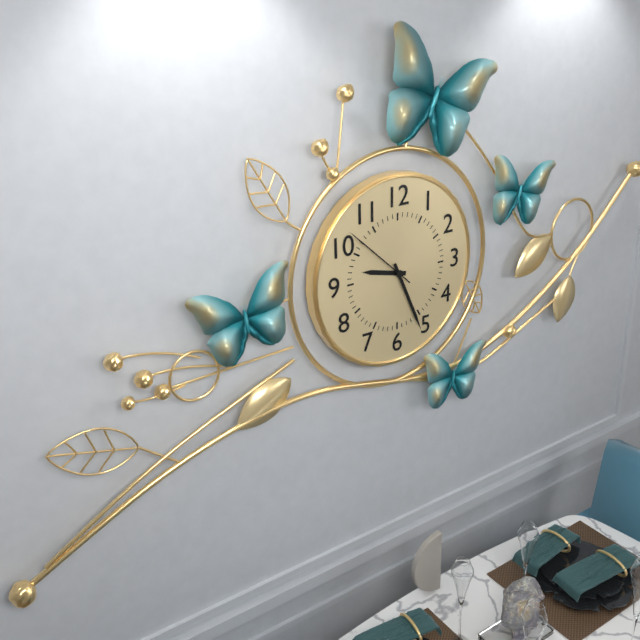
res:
9.26.52
